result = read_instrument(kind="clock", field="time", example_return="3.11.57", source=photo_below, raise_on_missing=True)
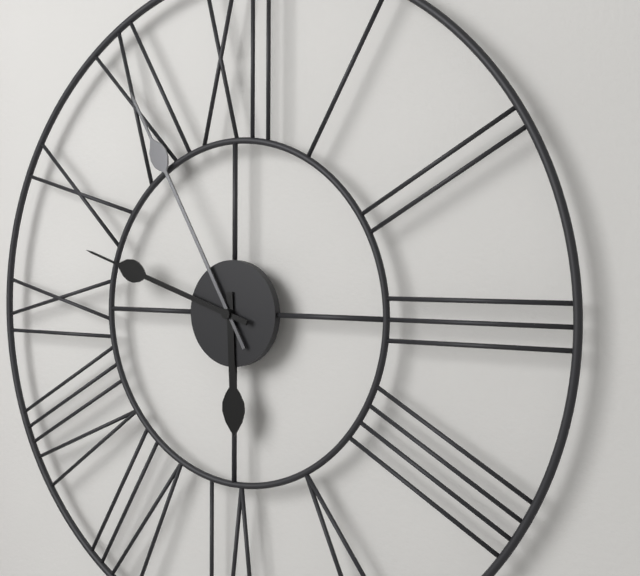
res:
5.55.48
